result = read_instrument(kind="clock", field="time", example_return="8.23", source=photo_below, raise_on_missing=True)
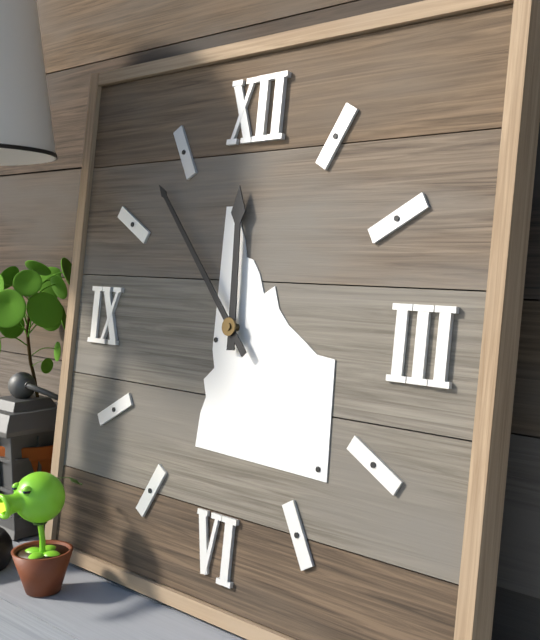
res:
11.53
